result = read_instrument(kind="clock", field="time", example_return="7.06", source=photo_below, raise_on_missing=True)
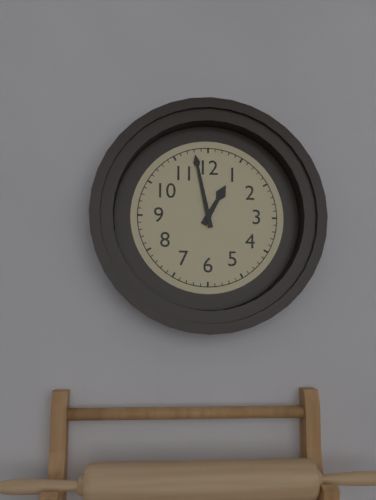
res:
12.58
